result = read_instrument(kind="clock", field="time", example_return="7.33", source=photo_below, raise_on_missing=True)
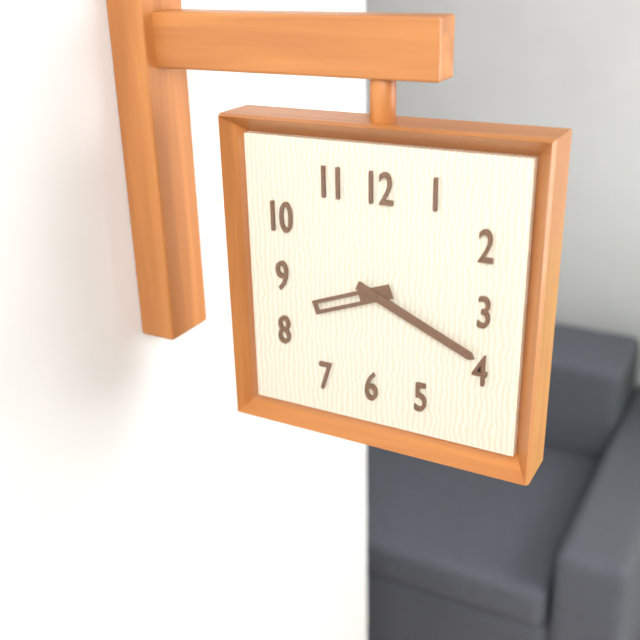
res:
8.19
